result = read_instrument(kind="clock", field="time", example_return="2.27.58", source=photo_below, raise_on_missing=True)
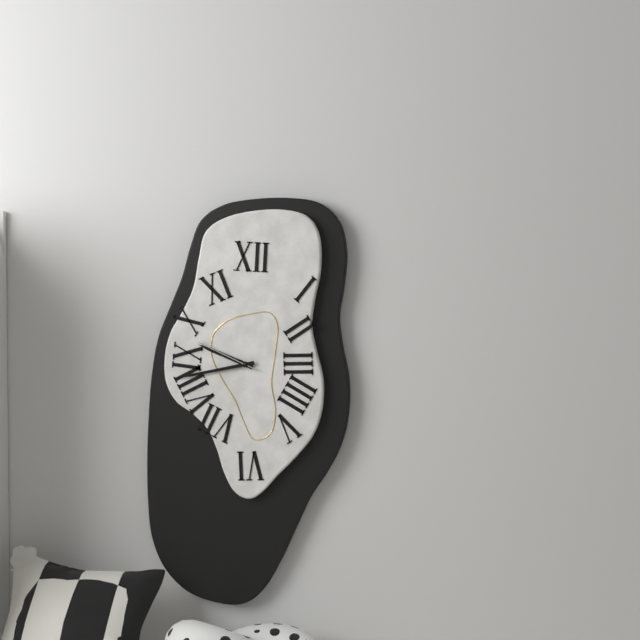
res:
9.43.49
